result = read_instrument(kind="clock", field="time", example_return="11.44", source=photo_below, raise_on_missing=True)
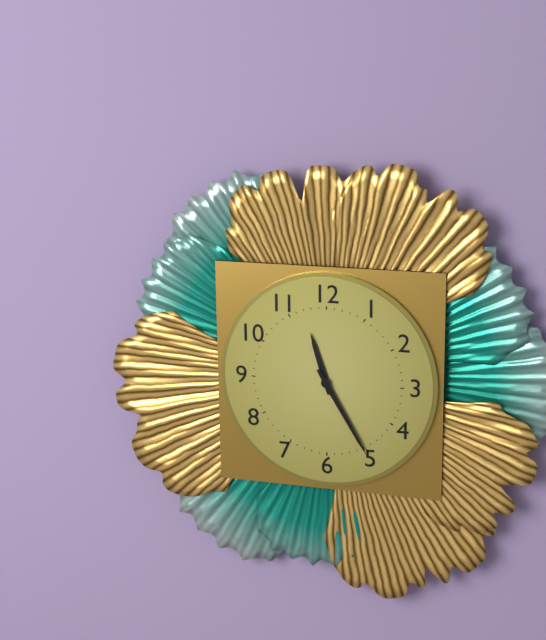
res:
11.25
